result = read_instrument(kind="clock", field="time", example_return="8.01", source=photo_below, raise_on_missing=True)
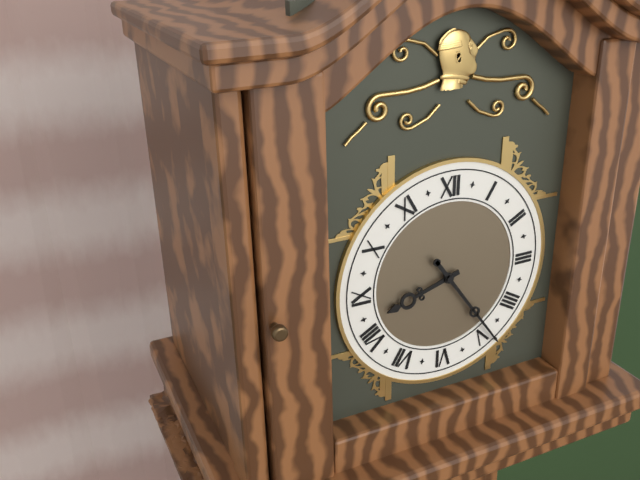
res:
8.24
